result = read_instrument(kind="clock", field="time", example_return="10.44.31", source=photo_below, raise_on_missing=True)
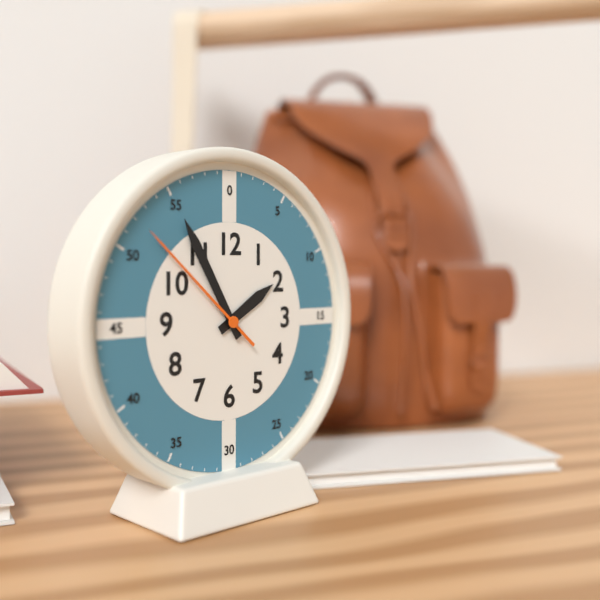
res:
1.55.52
